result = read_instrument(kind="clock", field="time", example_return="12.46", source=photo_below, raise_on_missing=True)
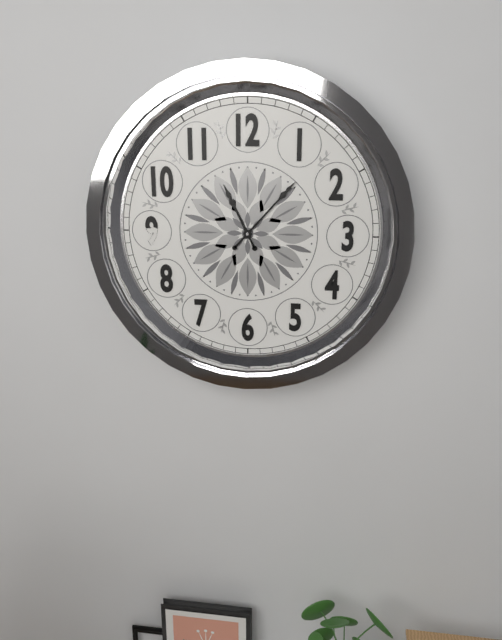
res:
11.07
